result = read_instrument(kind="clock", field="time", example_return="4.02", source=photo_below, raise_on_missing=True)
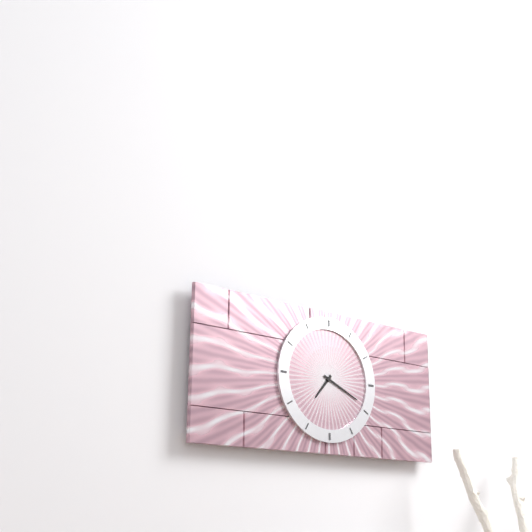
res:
7.19
